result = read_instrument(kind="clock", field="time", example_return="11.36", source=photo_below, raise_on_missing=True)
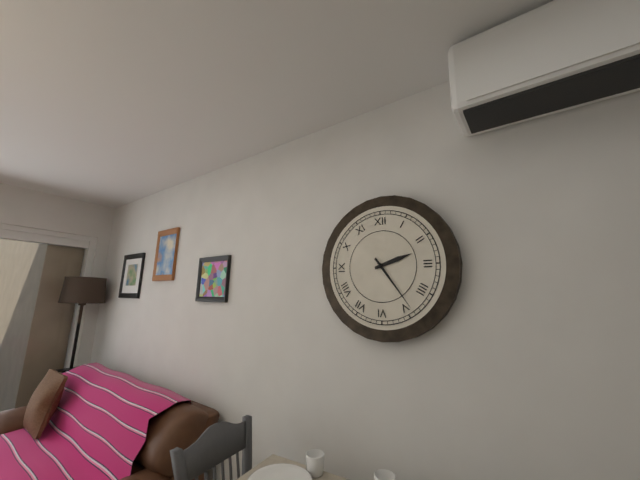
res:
2.24
